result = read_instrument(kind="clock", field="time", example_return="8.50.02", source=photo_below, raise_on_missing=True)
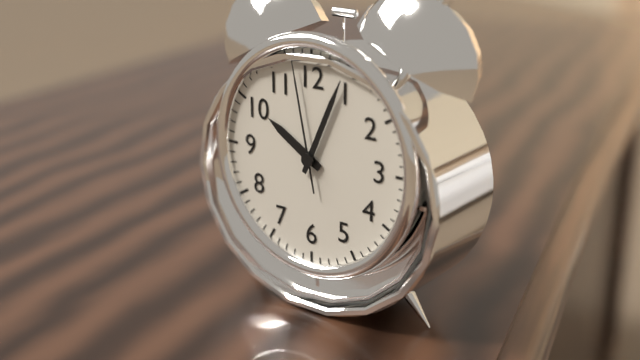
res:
10.04.58
